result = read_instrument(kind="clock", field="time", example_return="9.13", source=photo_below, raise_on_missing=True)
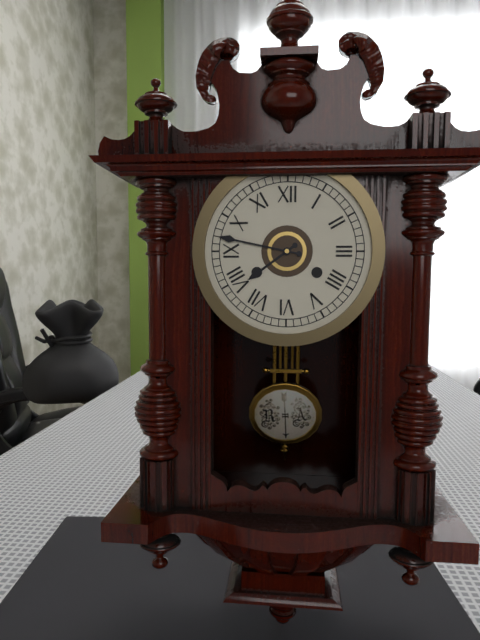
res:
7.47
